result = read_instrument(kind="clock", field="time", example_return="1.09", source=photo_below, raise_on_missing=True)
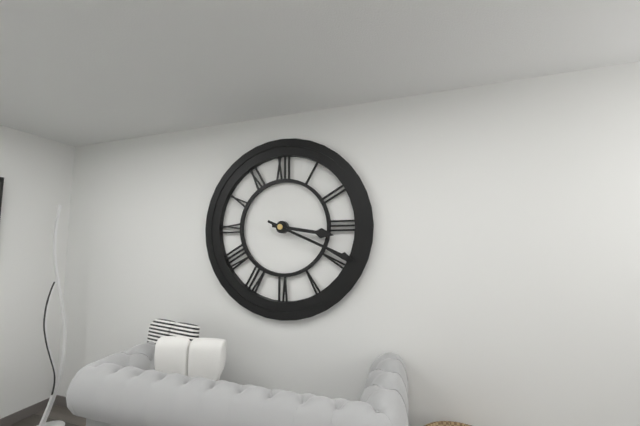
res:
3.19
